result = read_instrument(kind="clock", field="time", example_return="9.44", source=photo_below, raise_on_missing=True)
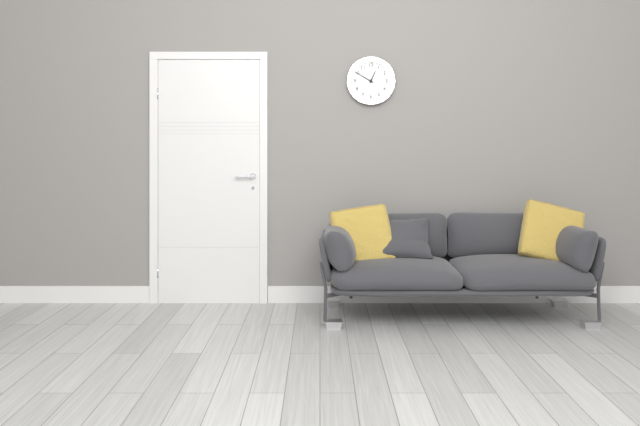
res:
12.50
